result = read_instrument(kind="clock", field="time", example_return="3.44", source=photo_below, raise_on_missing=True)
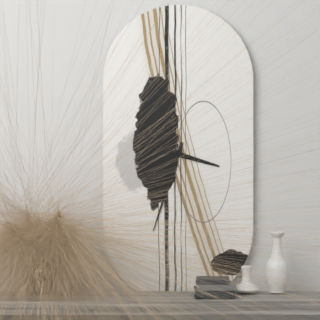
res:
3.33
